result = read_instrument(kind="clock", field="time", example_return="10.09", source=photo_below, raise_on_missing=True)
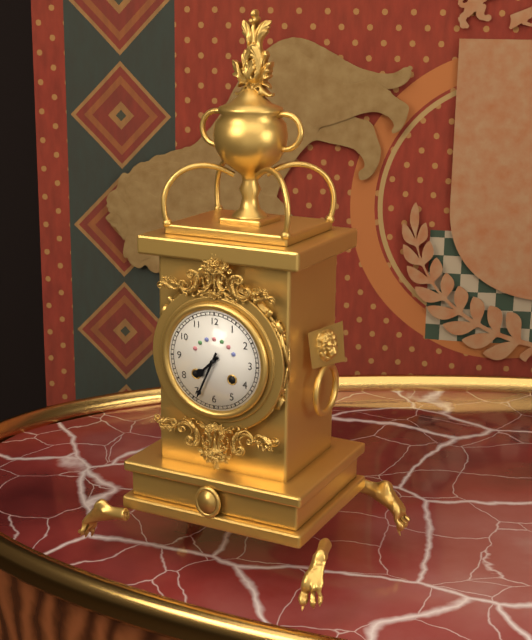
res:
7.34
